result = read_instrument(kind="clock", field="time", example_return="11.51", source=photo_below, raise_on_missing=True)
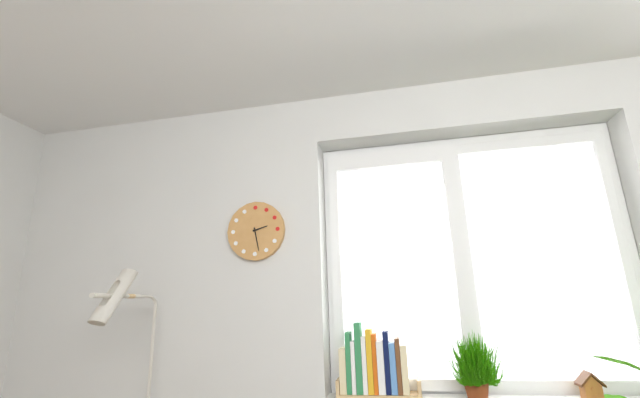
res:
2.28
